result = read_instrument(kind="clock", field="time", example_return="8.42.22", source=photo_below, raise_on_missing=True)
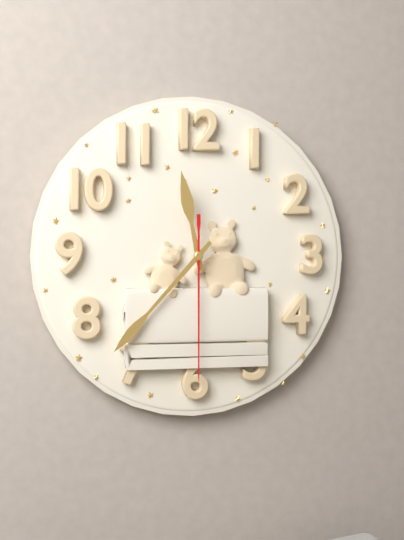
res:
11.37.30
